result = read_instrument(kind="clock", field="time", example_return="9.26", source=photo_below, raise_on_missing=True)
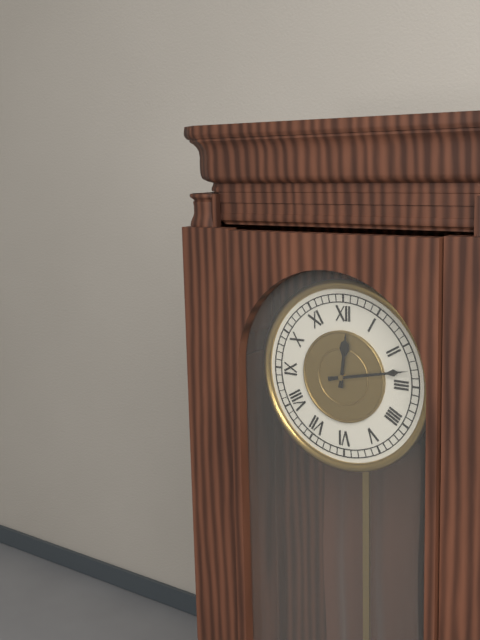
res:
12.13
